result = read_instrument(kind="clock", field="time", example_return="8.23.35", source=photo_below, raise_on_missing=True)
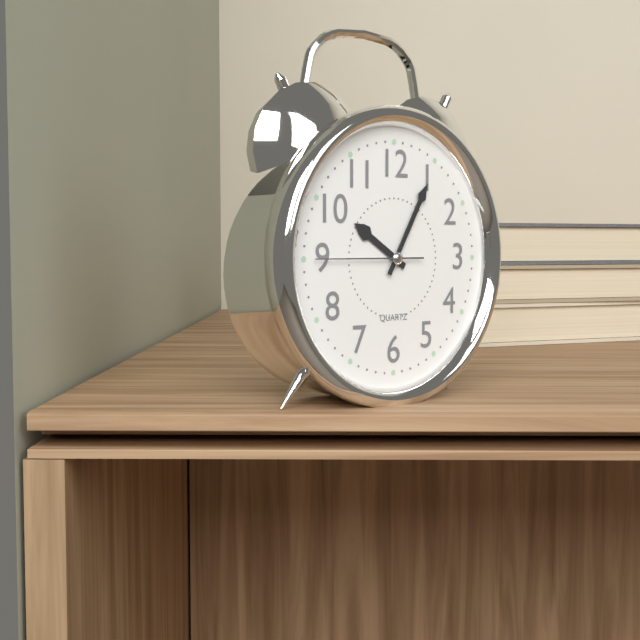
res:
10.05.45
